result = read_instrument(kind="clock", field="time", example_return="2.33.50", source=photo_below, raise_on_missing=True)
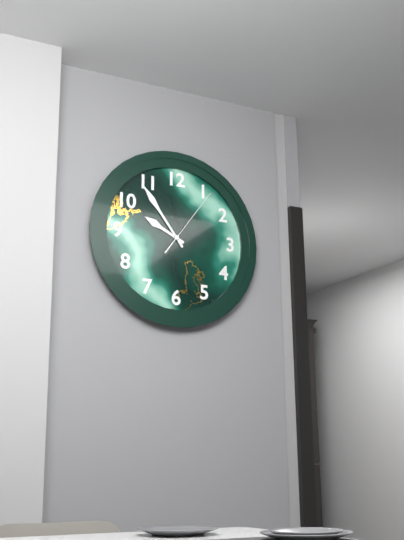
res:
9.54.06
